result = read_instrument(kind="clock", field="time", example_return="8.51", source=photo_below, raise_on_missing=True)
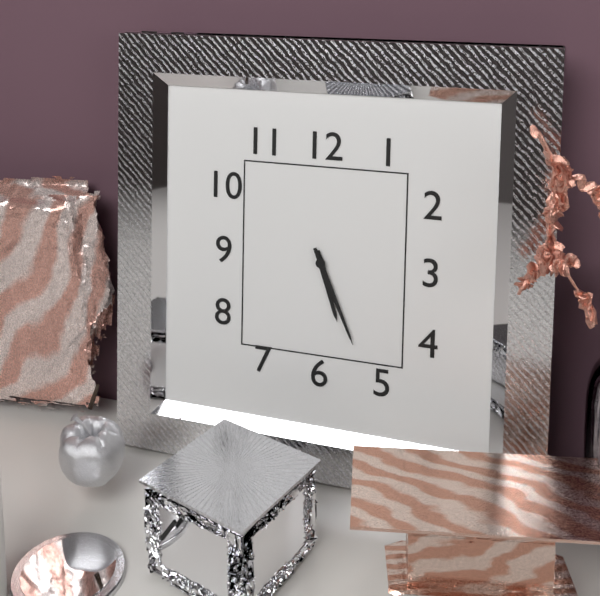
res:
5.26
